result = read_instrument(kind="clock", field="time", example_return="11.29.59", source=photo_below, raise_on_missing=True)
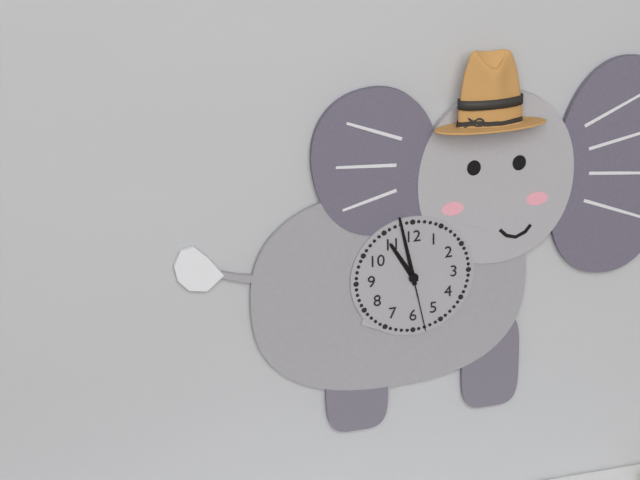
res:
10.58.28
